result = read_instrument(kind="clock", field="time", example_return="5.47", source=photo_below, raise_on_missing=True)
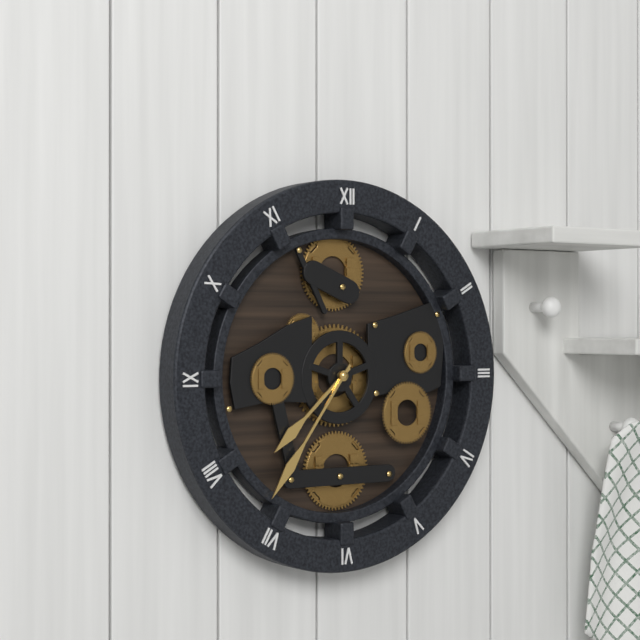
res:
7.36
